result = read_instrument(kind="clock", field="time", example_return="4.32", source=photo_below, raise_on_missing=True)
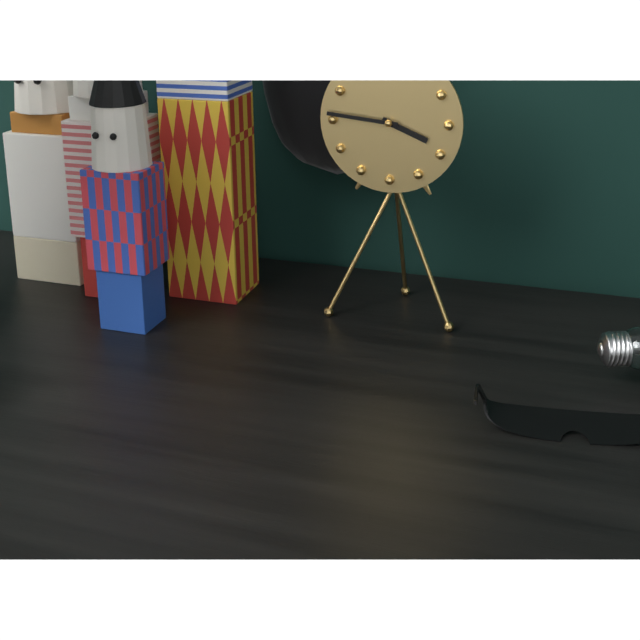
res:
3.46
